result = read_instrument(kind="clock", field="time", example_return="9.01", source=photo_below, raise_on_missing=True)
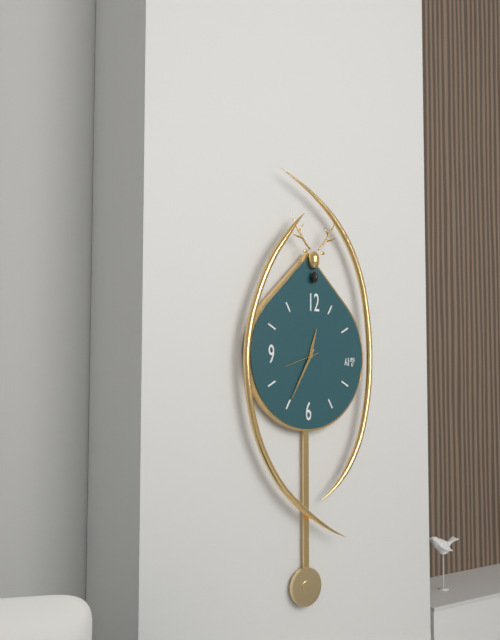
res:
12.35
